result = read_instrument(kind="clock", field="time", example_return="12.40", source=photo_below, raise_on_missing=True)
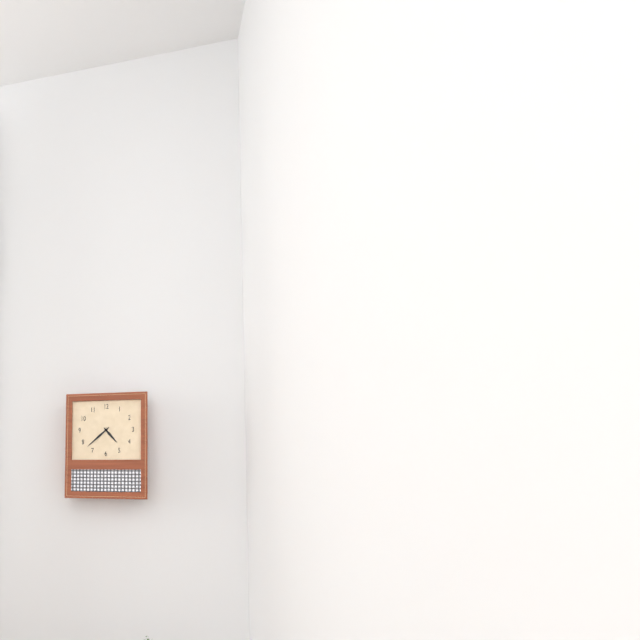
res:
4.38
